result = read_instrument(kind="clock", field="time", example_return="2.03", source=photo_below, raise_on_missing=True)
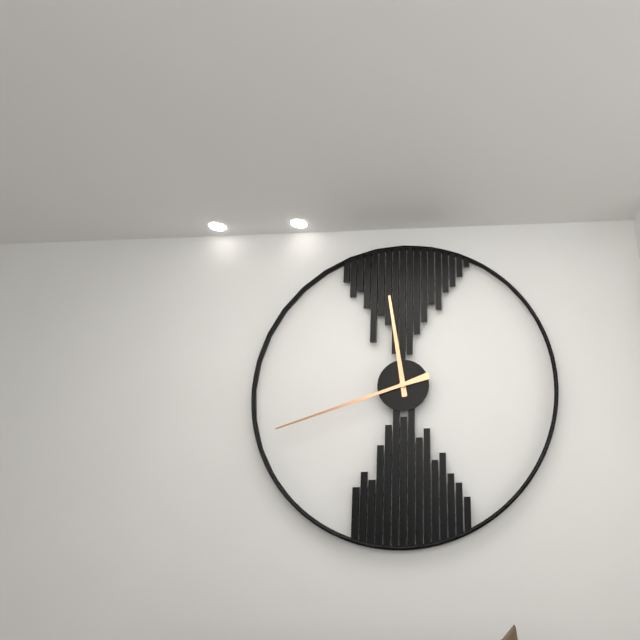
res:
11.42
